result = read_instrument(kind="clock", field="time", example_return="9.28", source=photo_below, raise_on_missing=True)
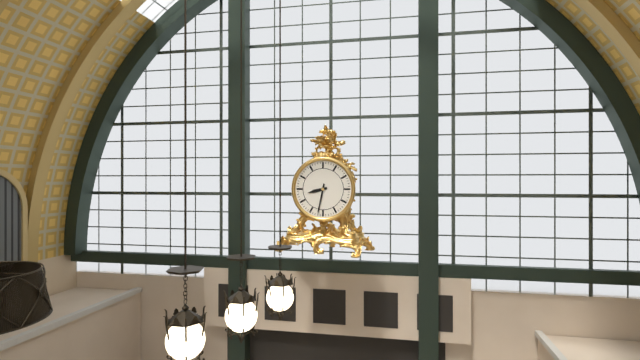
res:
8.32
